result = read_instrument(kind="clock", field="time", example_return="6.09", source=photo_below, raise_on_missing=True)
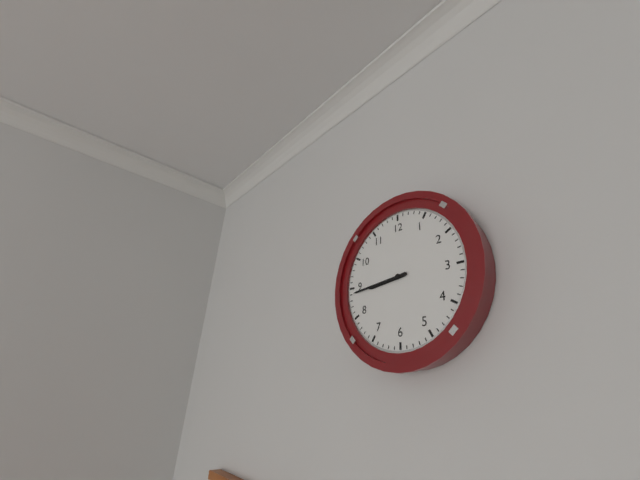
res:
8.44
